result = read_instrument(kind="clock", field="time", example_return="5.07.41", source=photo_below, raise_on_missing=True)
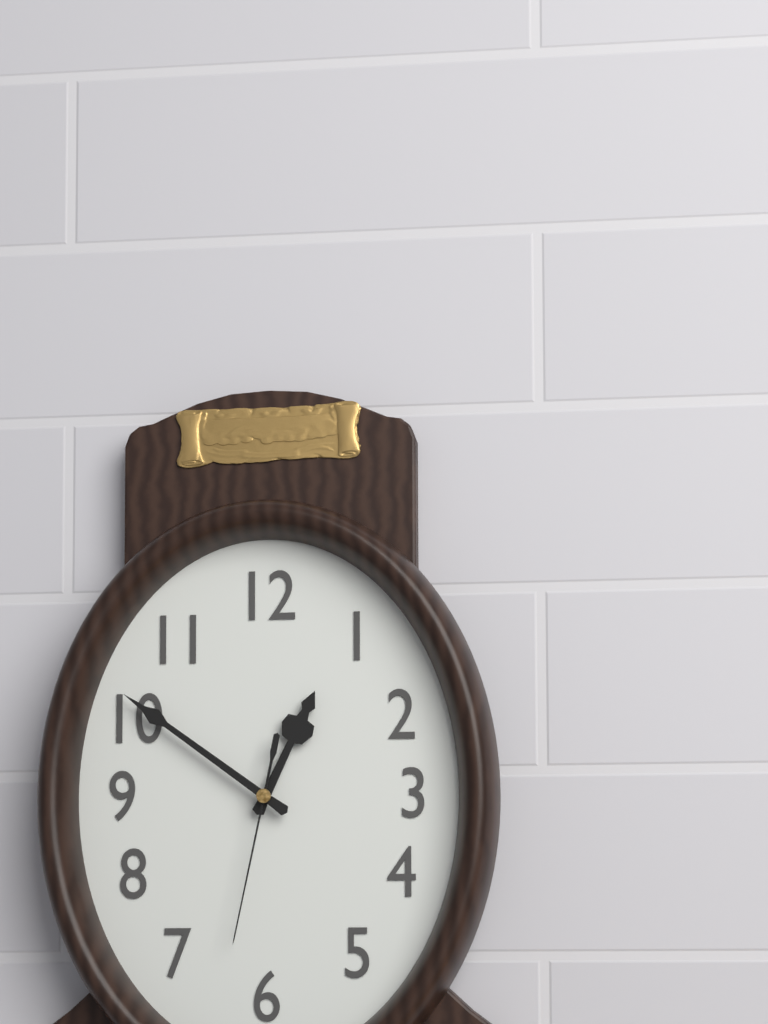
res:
12.51.32
